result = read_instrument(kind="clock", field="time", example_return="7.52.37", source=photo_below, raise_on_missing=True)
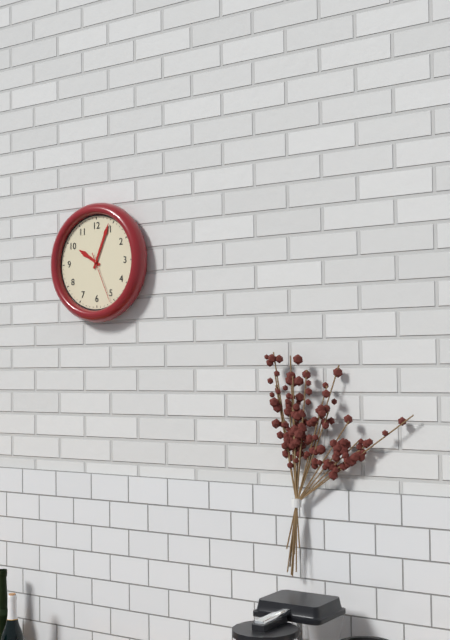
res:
10.04.26
